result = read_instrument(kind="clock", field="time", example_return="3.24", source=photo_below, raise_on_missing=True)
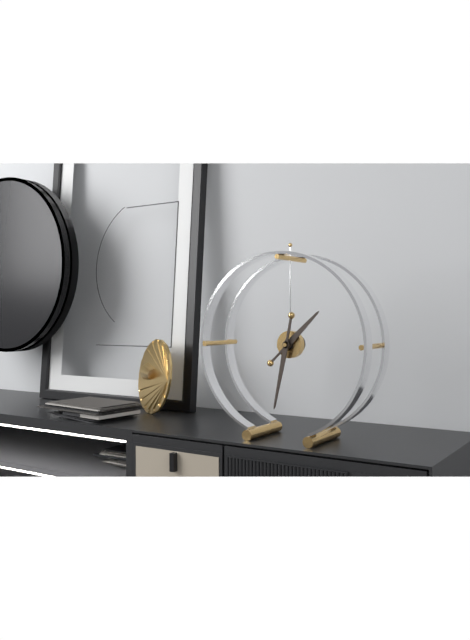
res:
1.32
